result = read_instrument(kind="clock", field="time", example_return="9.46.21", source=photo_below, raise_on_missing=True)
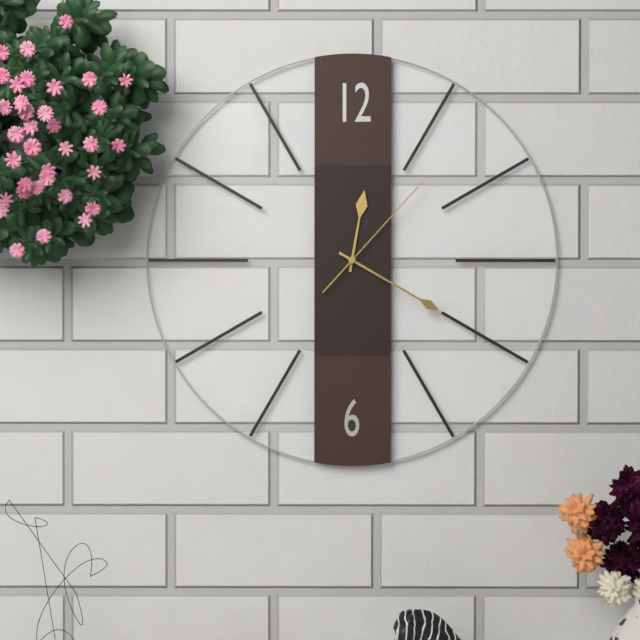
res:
12.20.07
